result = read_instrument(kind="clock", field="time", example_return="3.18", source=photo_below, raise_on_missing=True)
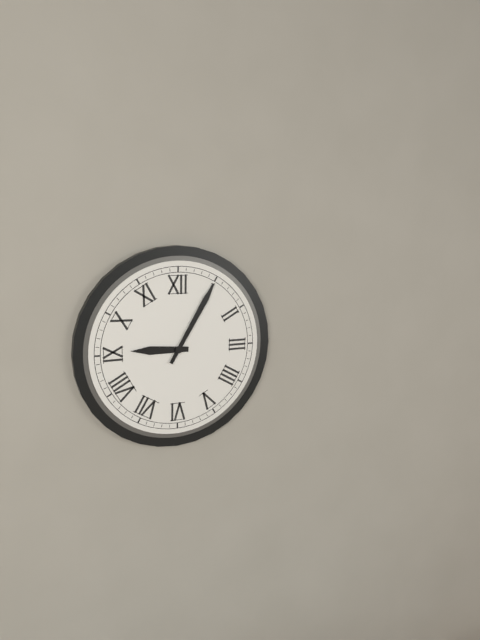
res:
9.05
